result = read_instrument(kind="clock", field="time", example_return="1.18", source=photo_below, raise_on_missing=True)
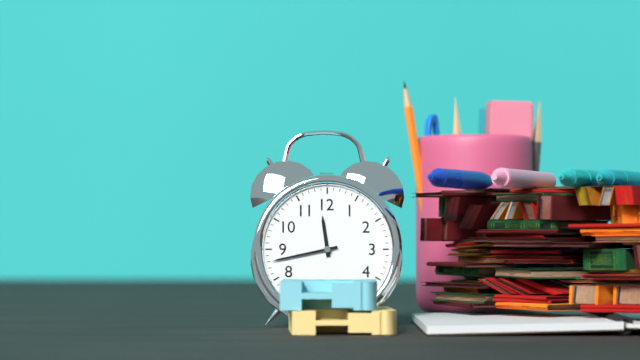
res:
11.43
